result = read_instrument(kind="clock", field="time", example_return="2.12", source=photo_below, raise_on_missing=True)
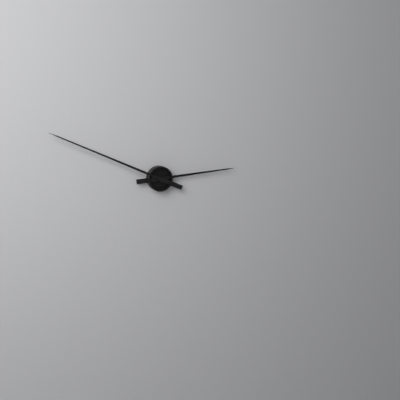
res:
2.49
